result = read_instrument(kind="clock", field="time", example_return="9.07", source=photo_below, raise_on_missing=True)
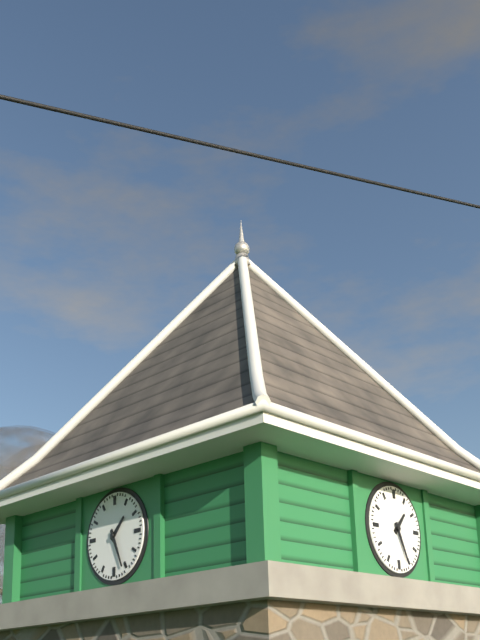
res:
1.26
